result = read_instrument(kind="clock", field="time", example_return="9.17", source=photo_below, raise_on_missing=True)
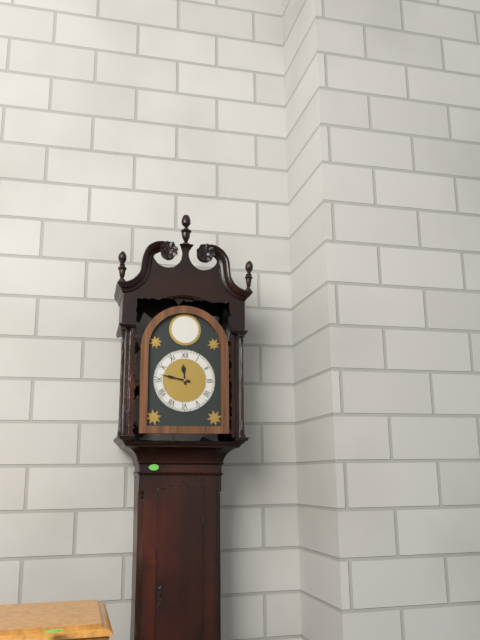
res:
11.47
